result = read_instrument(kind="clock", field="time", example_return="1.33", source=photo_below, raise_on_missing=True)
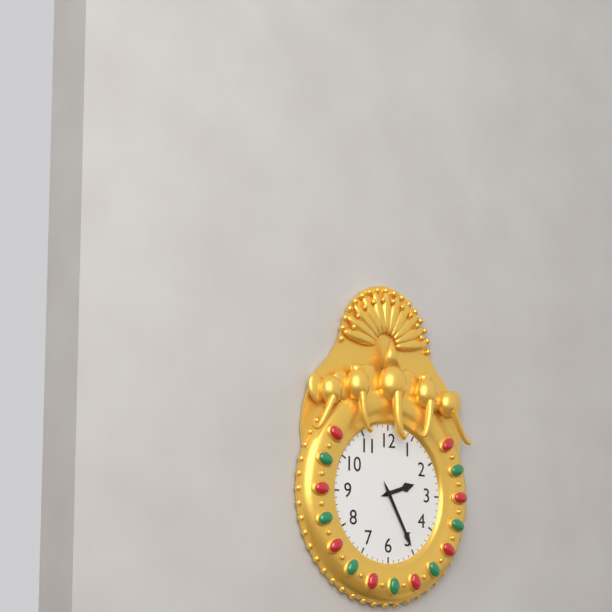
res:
2.25
